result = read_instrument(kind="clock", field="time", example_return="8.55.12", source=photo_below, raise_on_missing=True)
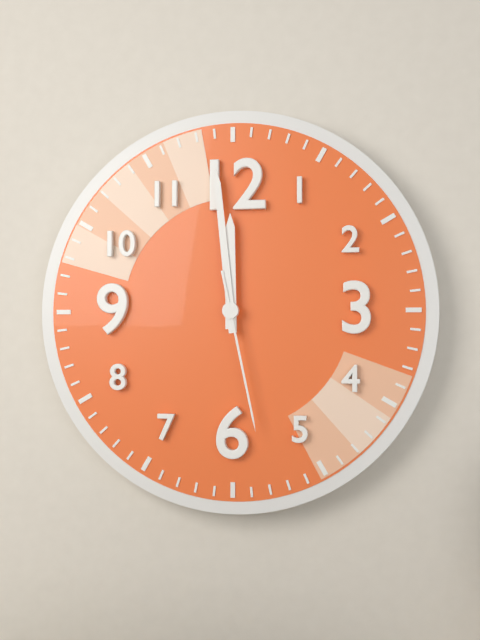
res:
11.59.28
